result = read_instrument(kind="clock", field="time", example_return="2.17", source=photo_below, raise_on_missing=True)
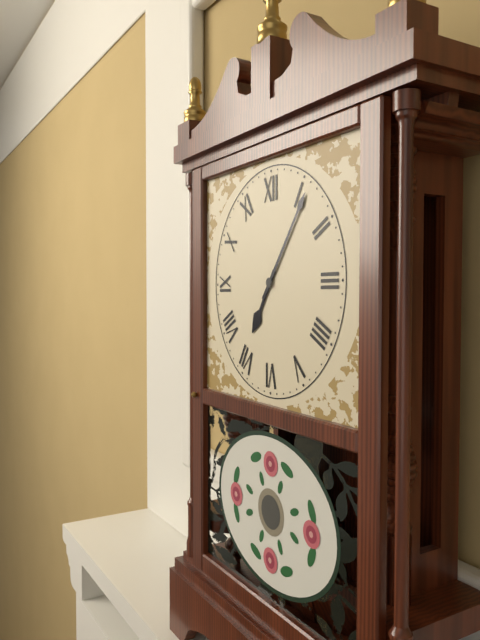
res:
7.06
